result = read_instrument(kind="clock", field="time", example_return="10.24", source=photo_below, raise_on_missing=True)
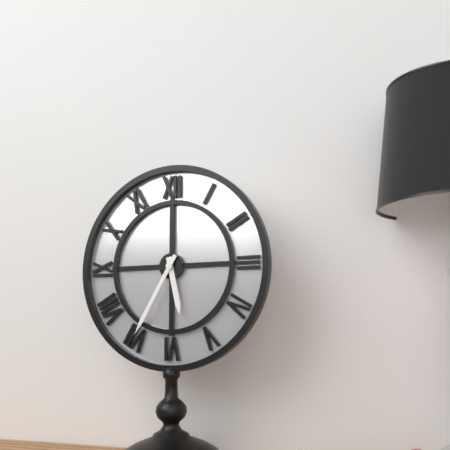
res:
5.35
